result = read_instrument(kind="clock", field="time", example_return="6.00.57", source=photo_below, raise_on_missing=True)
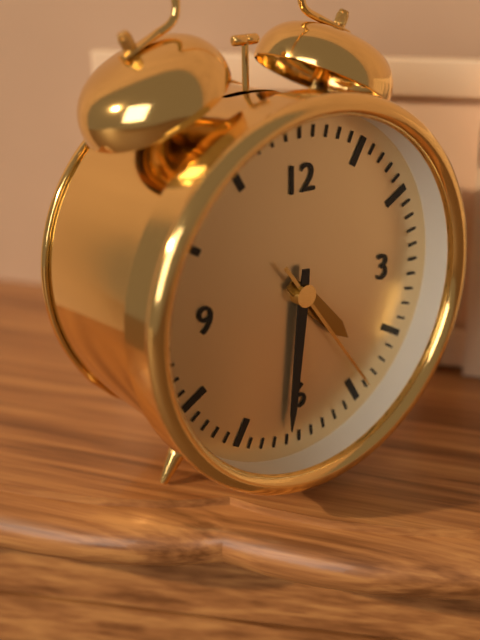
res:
4.31.24
